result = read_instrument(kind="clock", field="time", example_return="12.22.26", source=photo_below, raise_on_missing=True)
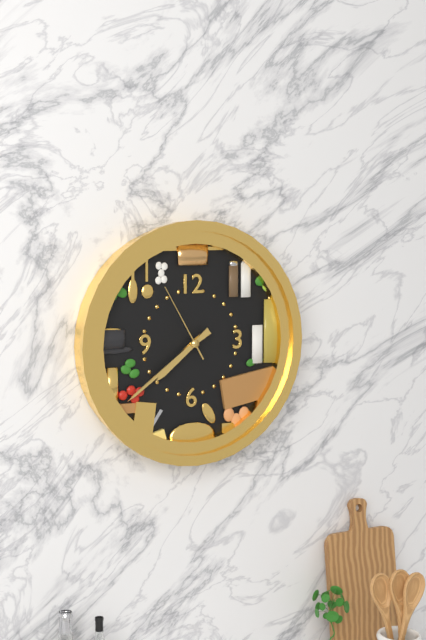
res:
7.39.55
